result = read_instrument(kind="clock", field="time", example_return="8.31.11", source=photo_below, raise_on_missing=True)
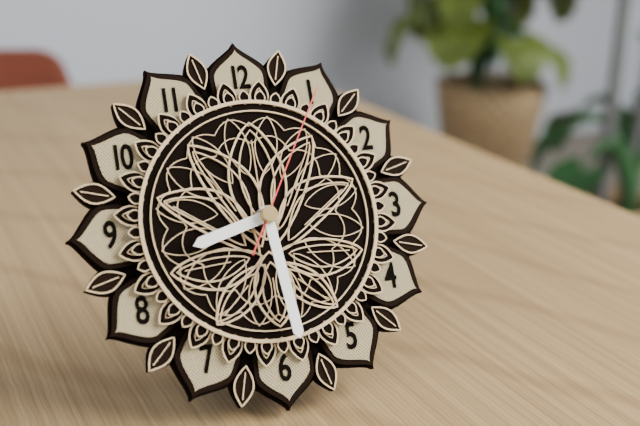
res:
8.29.05
